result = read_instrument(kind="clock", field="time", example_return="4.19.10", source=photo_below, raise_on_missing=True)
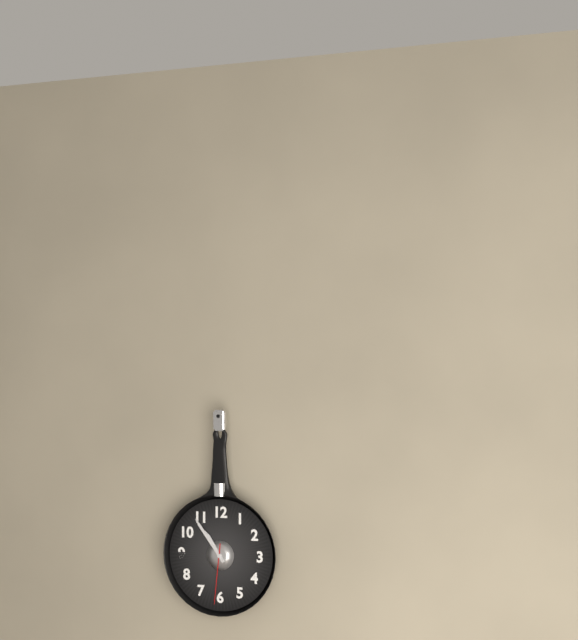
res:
10.54.31
